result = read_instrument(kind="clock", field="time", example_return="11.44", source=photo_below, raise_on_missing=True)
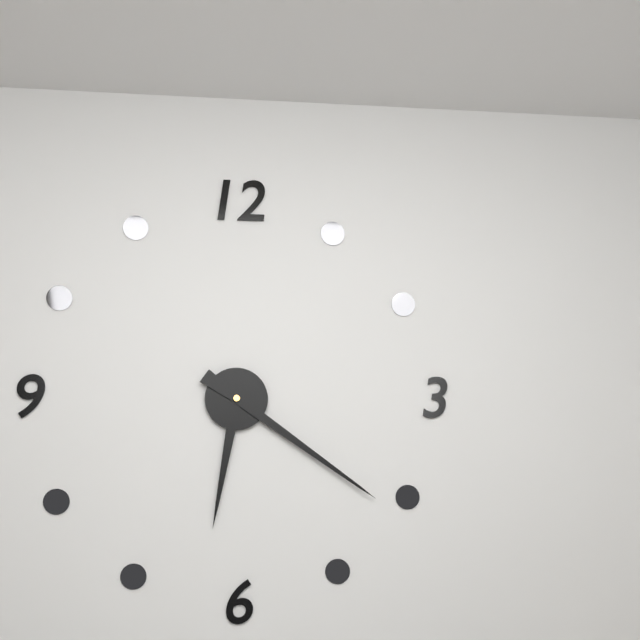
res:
6.21
